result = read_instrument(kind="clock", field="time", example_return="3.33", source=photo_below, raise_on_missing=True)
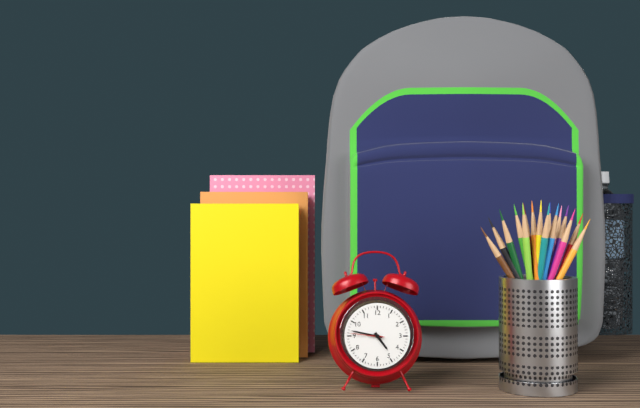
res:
4.47
